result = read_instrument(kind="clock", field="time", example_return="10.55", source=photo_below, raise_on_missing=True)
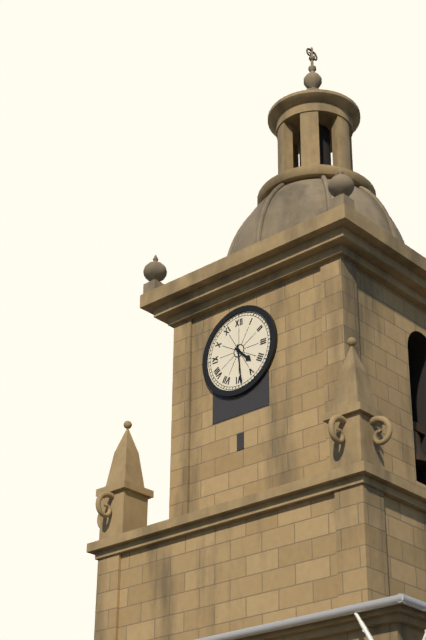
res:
4.29
